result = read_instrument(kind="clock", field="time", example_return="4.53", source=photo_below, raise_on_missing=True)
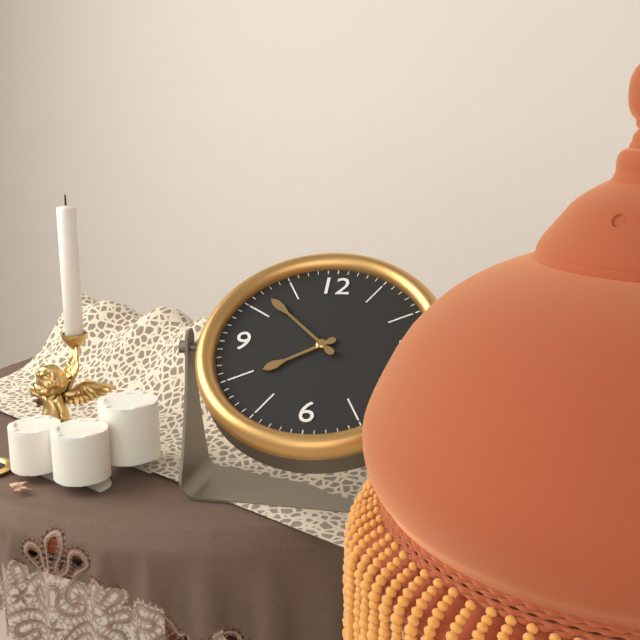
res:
7.52
